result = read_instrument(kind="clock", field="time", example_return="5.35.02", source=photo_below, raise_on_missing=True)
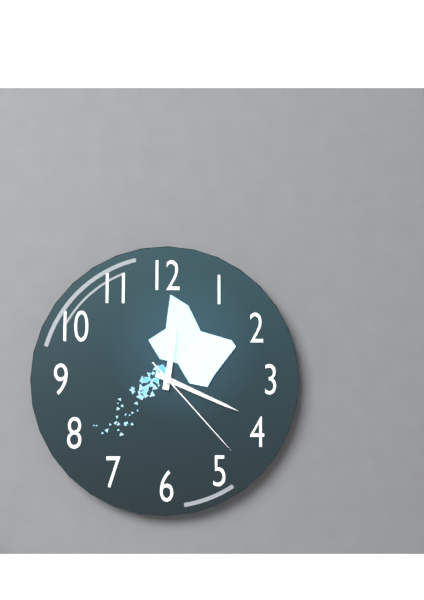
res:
12.19.23
